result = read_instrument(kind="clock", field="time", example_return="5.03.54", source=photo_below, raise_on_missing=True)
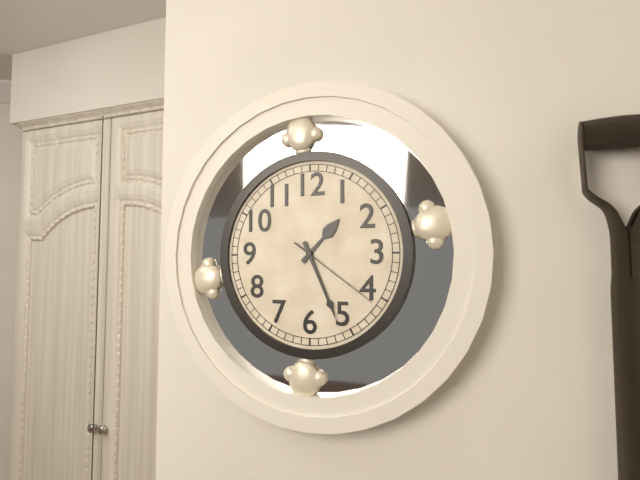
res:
1.26.21
